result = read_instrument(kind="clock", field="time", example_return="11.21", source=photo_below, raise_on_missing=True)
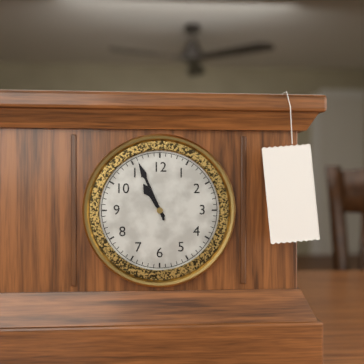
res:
10.56
